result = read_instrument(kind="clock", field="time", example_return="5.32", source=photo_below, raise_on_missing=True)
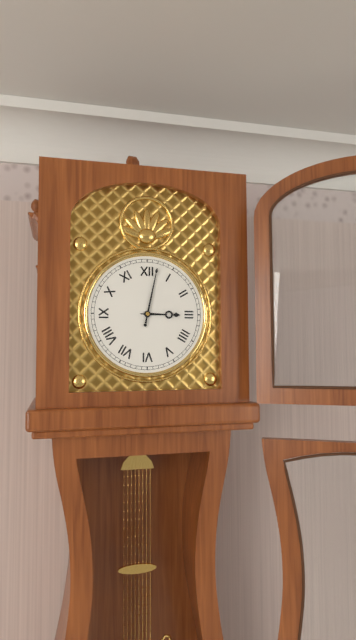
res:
3.02
